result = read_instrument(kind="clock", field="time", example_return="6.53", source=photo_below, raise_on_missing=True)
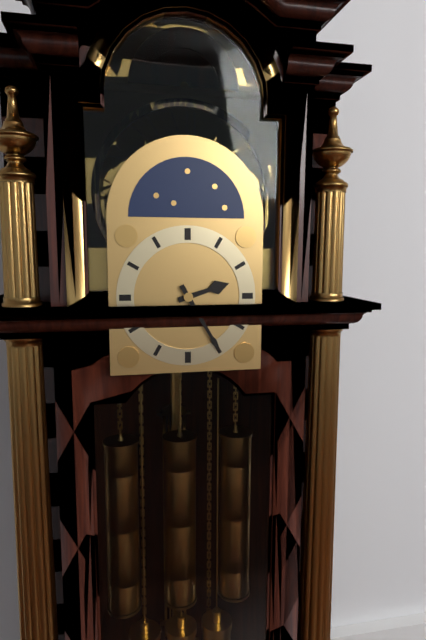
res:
2.25
